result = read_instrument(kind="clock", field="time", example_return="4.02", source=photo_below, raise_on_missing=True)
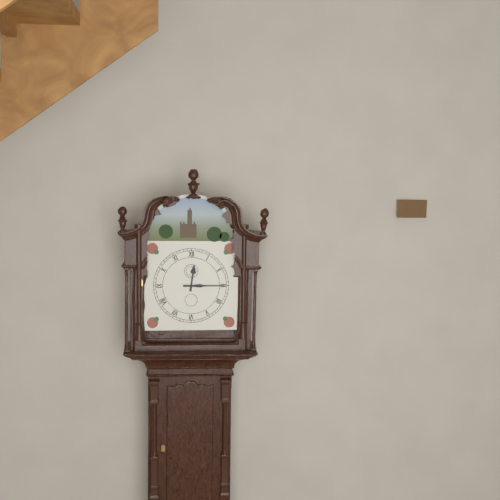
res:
12.15
